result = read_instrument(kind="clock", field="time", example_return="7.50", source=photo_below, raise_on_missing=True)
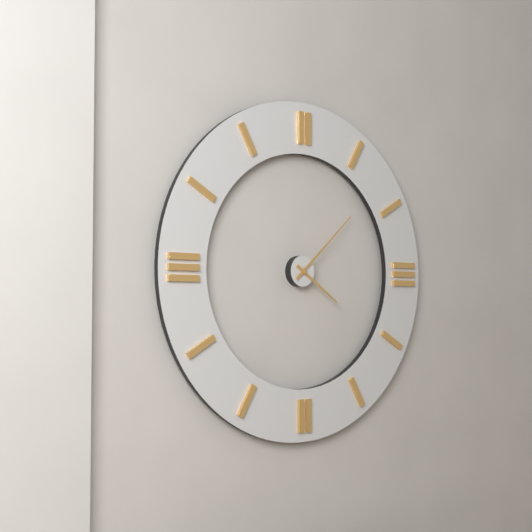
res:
4.08
